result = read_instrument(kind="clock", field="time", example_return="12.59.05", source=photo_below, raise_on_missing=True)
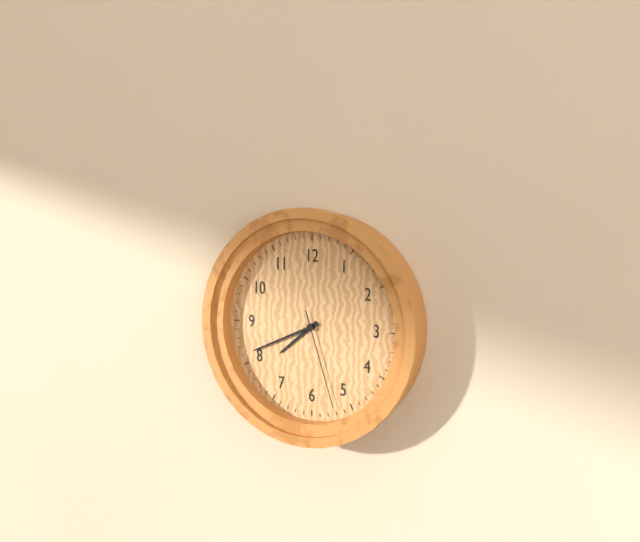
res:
7.41.27
